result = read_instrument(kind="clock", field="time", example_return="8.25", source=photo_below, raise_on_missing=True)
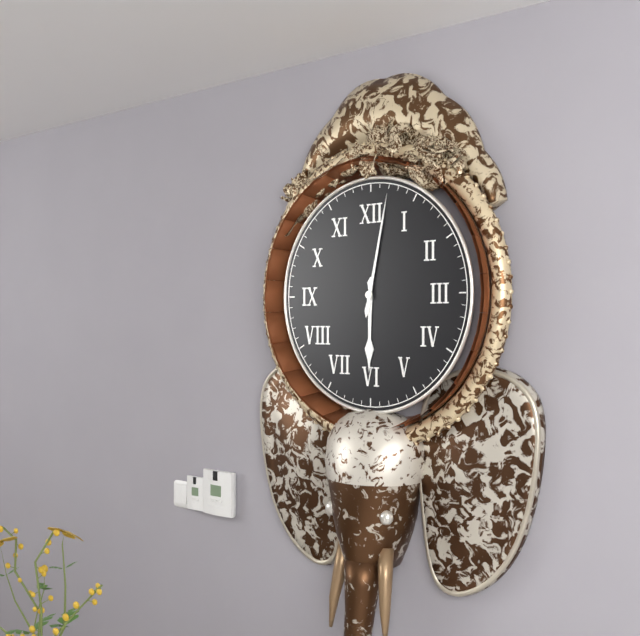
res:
6.02
